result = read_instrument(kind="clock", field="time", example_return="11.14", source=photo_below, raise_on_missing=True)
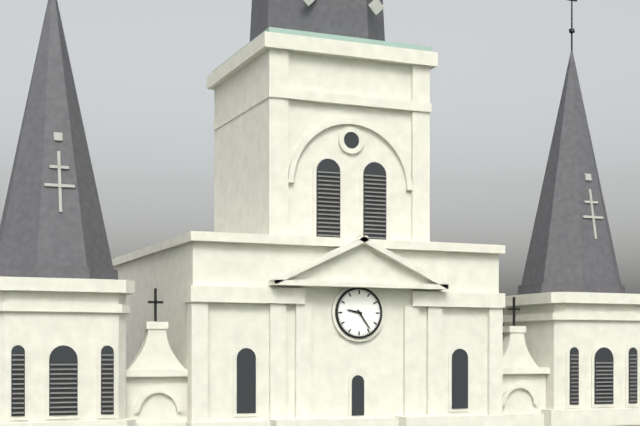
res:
9.24
